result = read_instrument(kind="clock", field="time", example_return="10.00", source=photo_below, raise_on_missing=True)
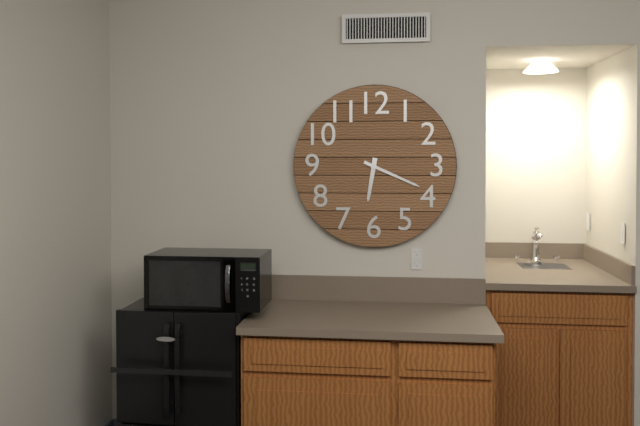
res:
6.19
